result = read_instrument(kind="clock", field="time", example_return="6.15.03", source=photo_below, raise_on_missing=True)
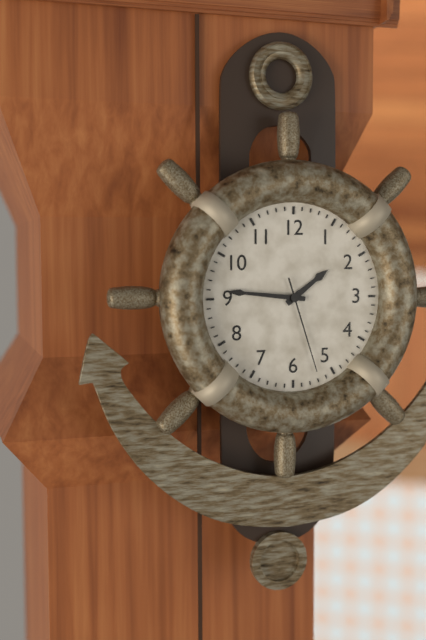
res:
1.46.27
